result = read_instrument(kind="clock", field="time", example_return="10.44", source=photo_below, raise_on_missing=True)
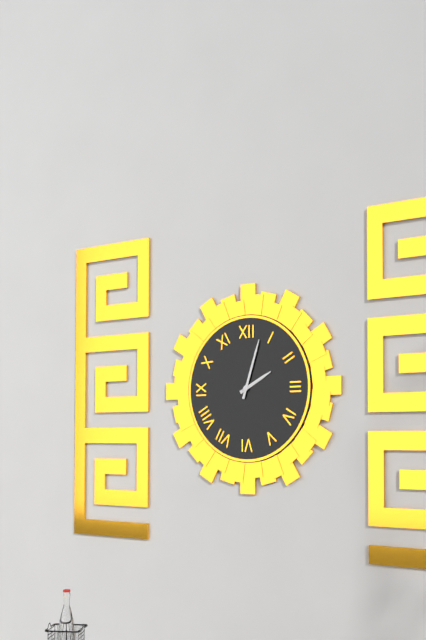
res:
2.03
